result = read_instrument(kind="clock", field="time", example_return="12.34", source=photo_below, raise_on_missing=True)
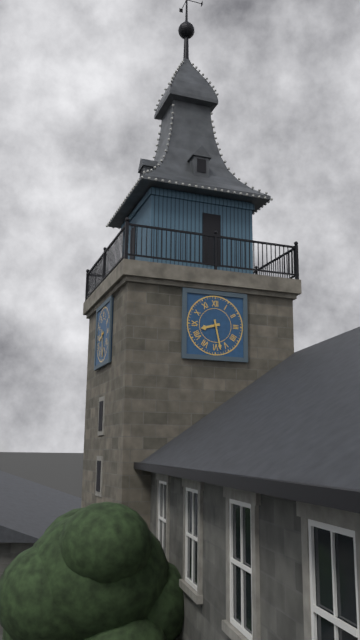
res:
8.28
